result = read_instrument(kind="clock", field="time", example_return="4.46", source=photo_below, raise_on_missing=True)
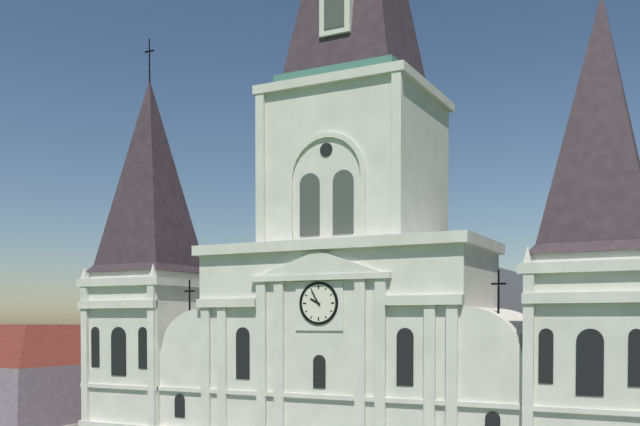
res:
9.55
